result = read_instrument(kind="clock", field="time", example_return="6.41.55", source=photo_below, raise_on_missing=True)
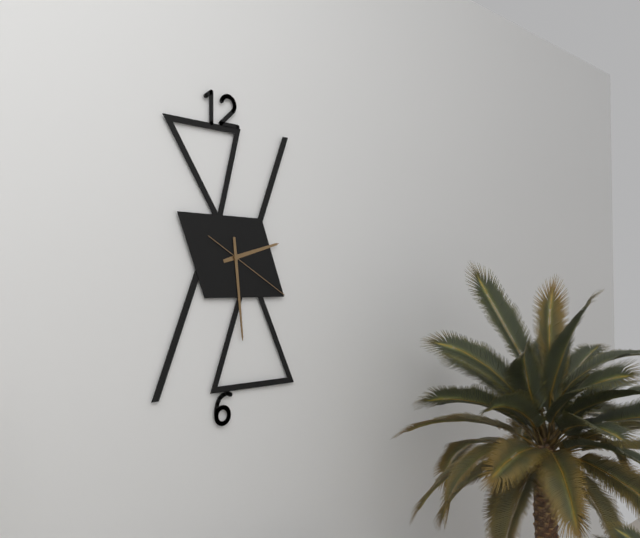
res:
2.29.20
